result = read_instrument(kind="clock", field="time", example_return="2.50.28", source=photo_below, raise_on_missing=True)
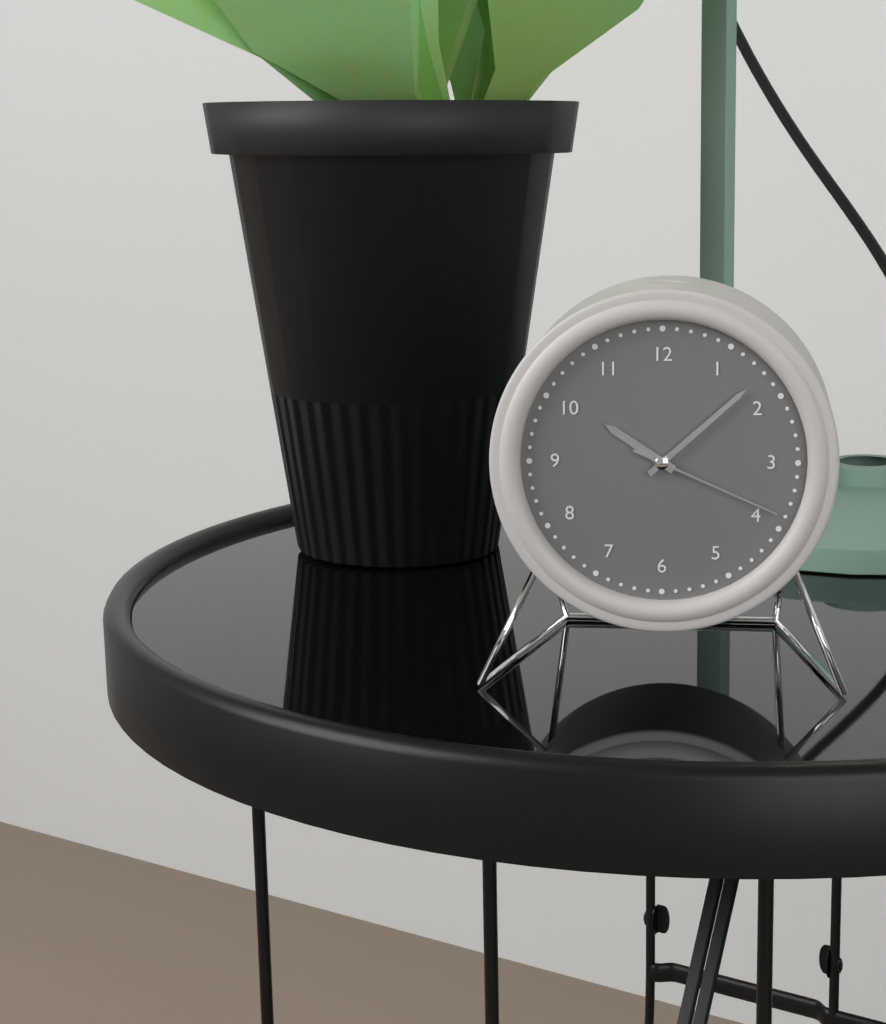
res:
10.08.19
